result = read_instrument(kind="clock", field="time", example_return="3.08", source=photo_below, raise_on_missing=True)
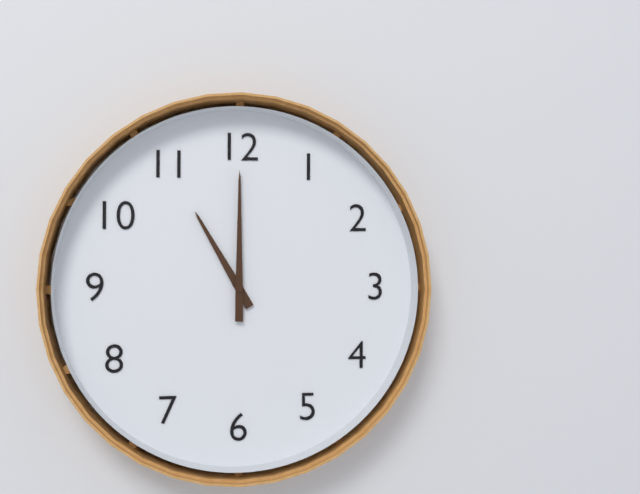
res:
11.00
